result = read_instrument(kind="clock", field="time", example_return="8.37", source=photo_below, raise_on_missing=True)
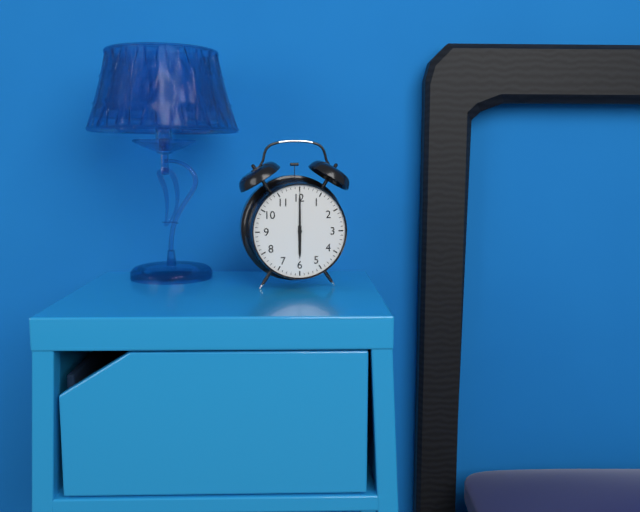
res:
6.00
